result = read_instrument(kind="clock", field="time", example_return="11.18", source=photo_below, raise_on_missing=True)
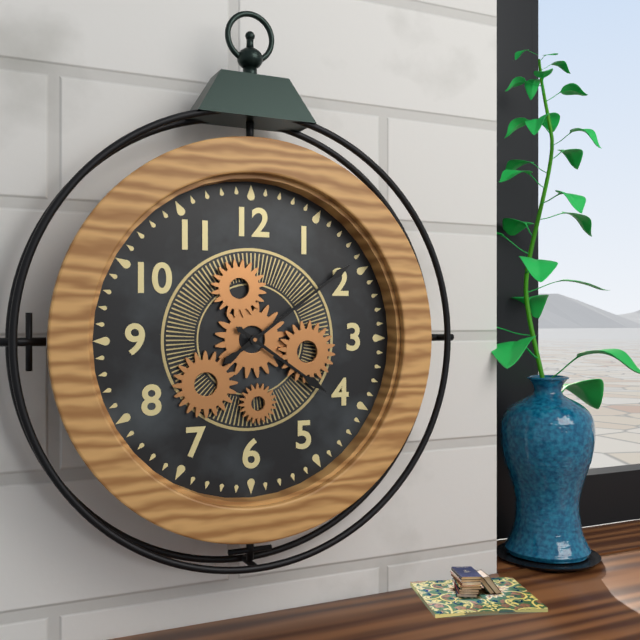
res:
4.09
